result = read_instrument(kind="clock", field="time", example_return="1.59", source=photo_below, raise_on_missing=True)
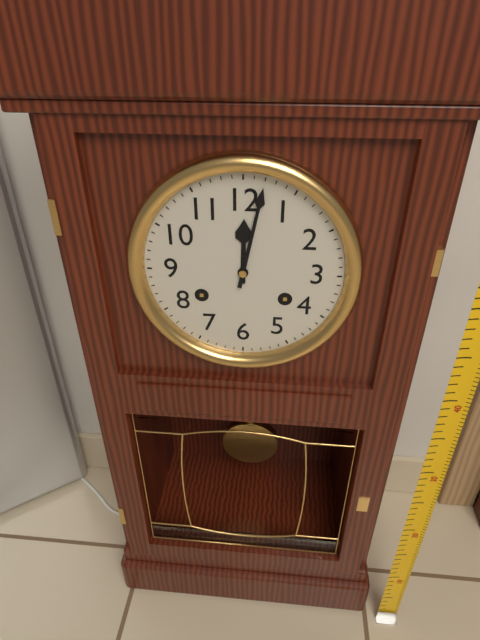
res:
12.02
